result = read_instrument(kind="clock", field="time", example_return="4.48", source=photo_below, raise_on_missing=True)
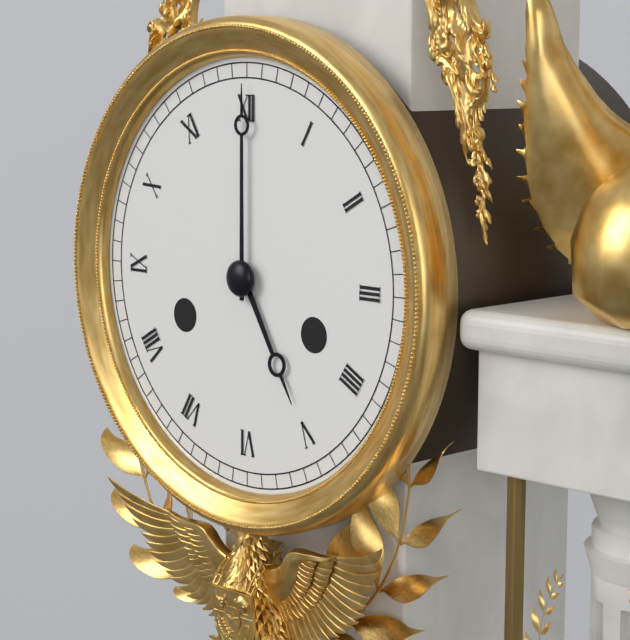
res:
5.00
